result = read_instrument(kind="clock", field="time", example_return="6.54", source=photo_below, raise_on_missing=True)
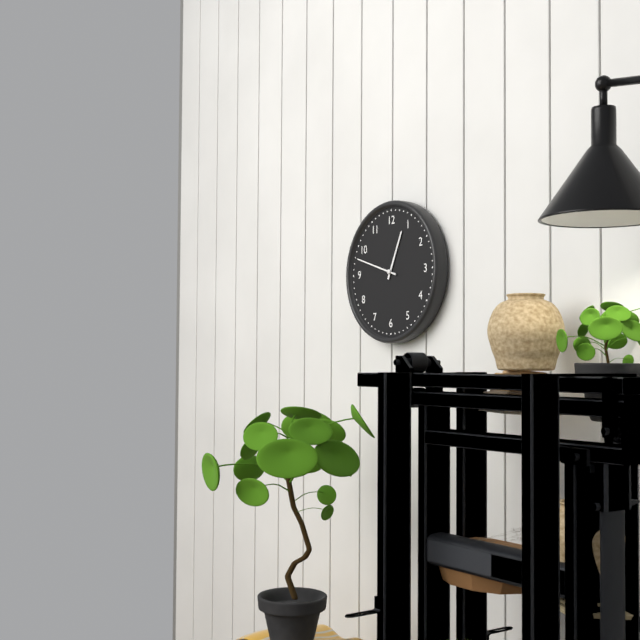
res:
12.48
